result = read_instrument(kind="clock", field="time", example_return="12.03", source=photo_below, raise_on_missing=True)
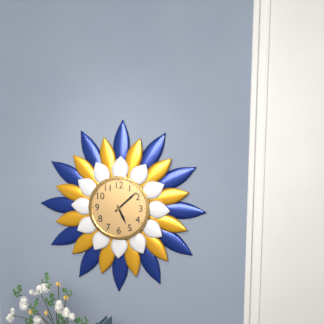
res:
5.08
